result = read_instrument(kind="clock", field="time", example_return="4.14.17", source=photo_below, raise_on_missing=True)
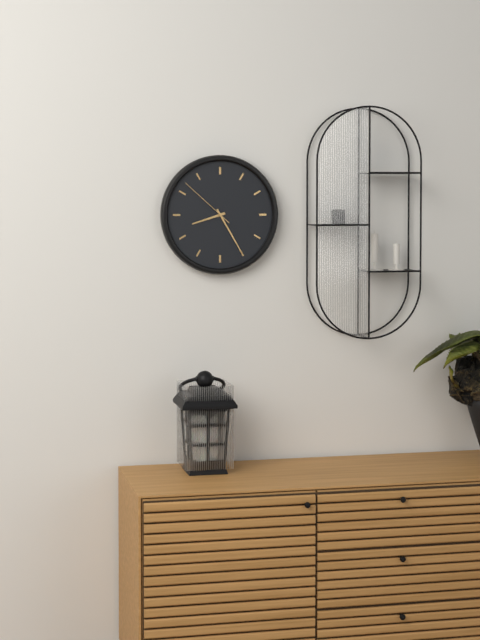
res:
8.25.52
